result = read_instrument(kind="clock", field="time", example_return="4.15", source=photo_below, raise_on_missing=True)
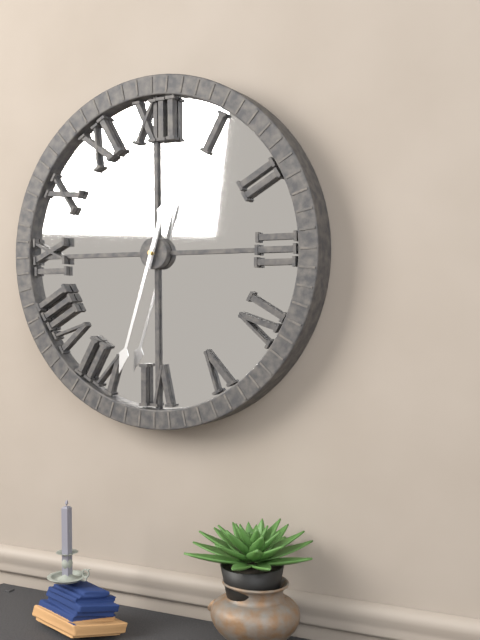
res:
12.33
